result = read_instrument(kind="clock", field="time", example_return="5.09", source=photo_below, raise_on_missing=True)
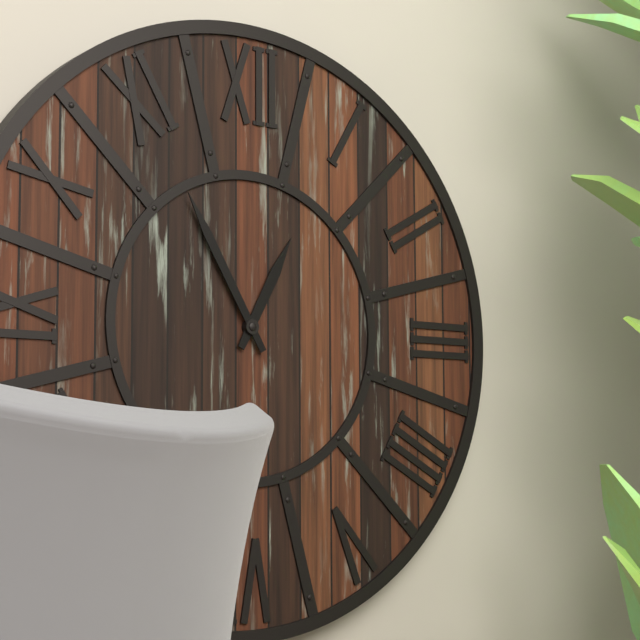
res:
12.55
